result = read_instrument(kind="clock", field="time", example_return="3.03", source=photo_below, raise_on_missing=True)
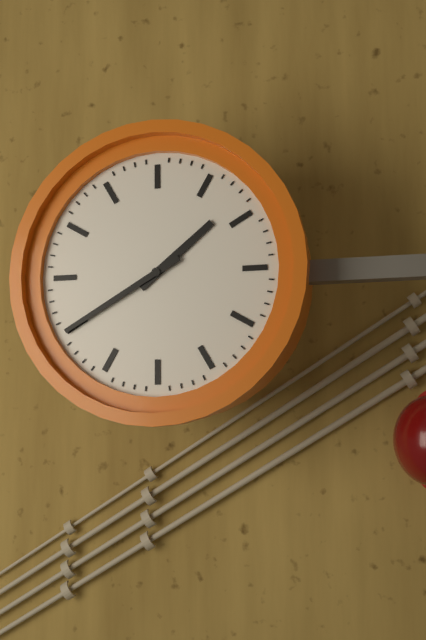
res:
1.40
